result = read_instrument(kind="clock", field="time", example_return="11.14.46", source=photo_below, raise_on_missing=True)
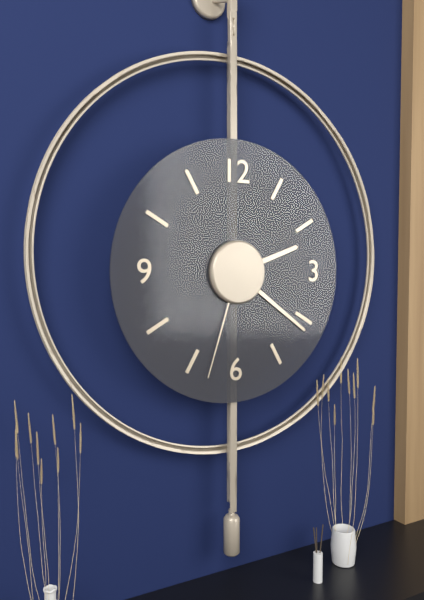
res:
2.21.33
